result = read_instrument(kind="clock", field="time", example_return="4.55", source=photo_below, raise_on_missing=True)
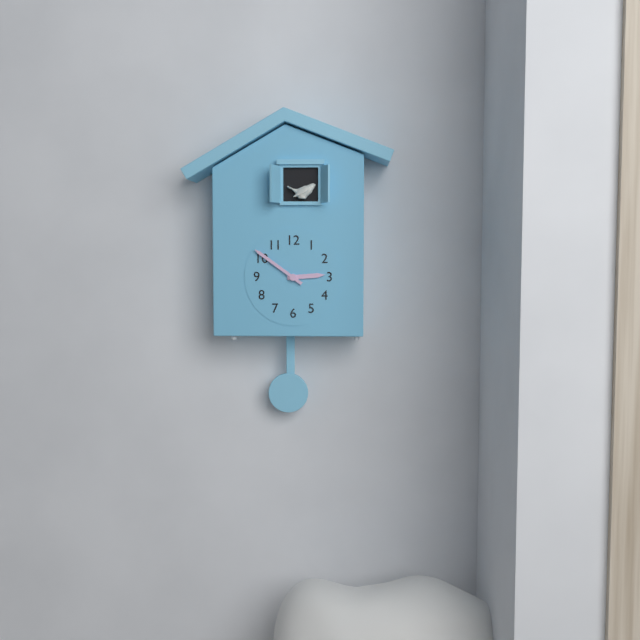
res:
2.51
